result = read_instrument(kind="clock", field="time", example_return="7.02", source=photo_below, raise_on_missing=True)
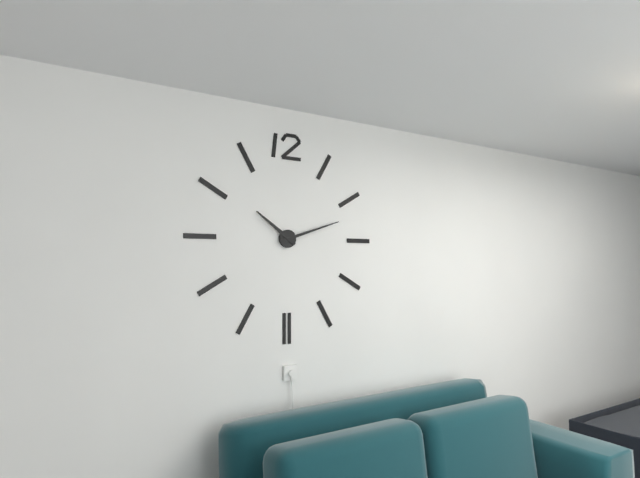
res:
10.12
